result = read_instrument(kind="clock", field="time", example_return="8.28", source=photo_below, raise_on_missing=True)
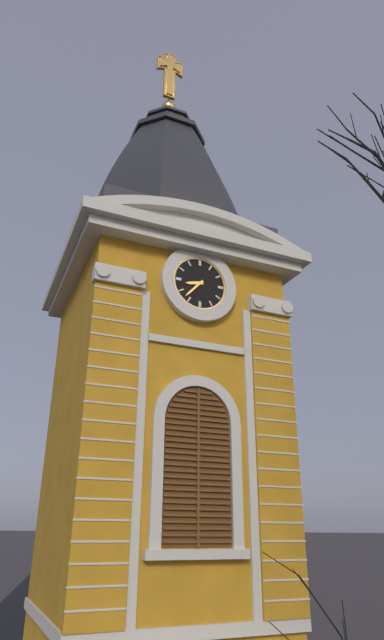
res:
8.37
